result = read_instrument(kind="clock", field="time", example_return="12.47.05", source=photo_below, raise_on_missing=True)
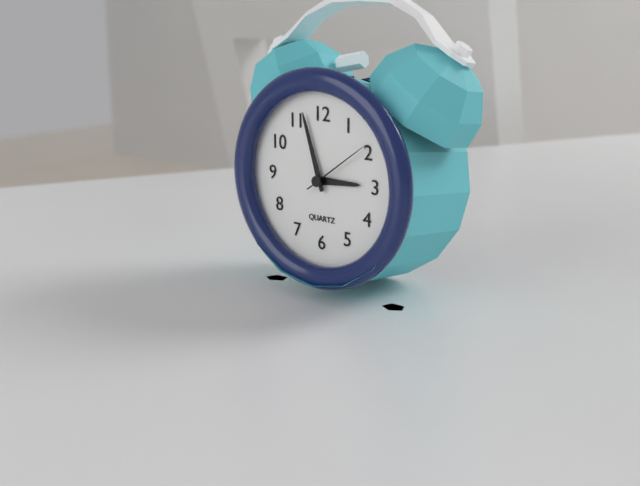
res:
2.57.09
